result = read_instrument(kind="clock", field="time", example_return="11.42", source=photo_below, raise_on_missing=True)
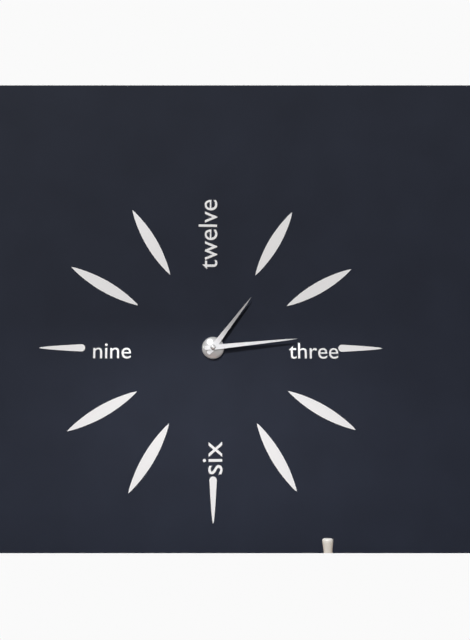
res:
1.14
